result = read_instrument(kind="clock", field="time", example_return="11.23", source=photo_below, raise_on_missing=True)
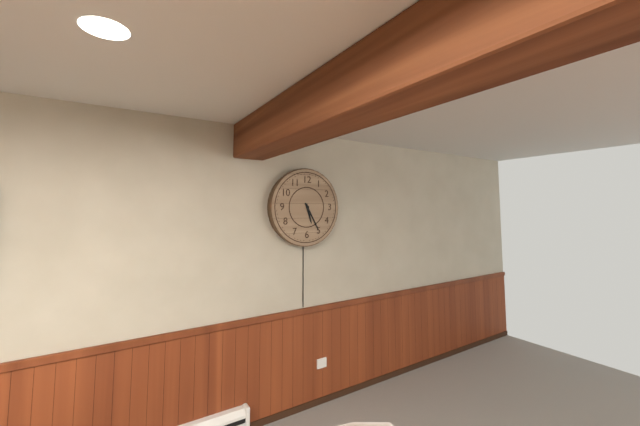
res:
5.25
